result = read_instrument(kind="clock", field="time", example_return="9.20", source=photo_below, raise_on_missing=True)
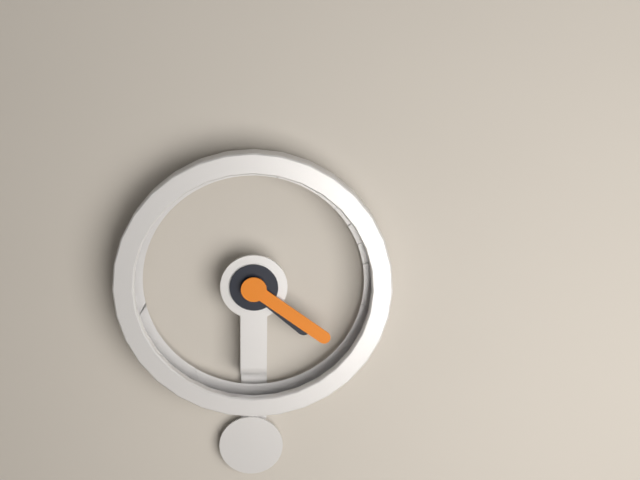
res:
4.21
